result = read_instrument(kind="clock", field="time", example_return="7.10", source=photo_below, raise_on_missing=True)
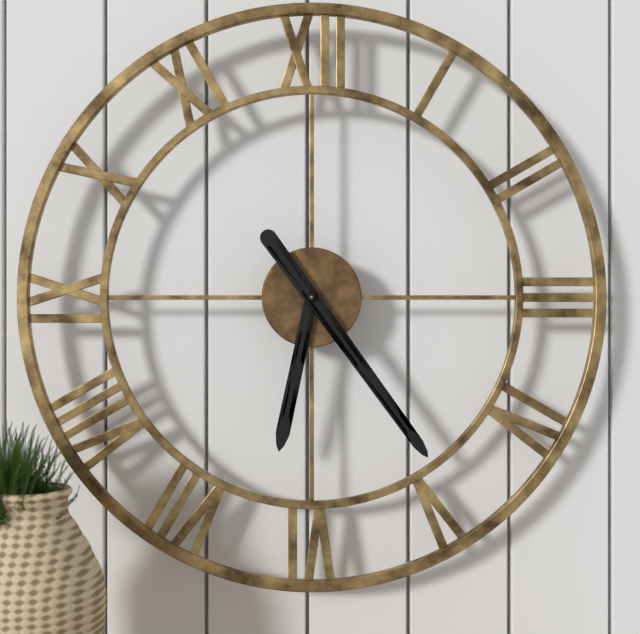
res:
6.24
